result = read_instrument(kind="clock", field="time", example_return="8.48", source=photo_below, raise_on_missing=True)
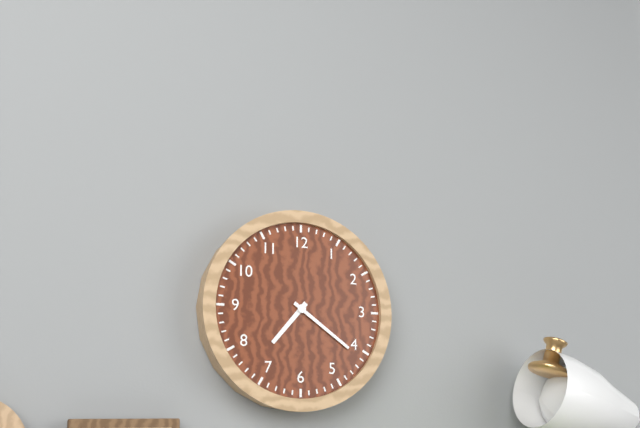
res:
7.21
